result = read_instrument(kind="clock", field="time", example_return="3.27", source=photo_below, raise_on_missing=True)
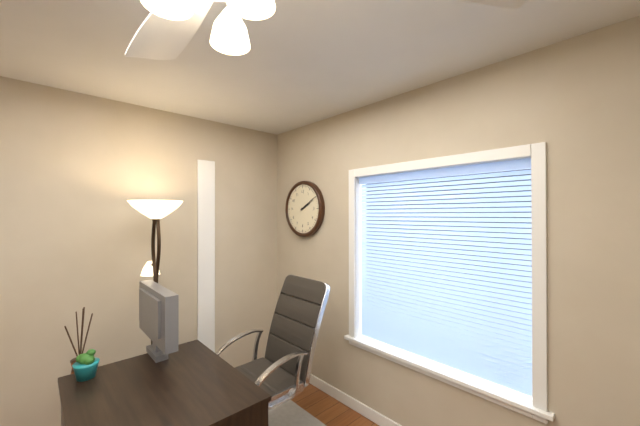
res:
2.10
